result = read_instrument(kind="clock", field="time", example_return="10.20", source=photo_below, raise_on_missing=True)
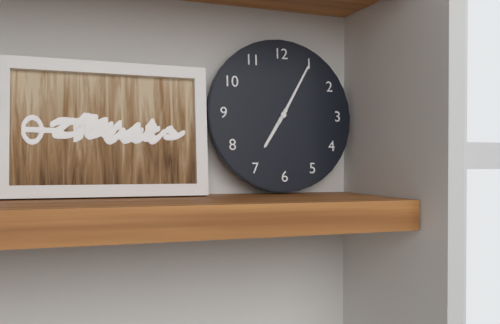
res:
7.05
